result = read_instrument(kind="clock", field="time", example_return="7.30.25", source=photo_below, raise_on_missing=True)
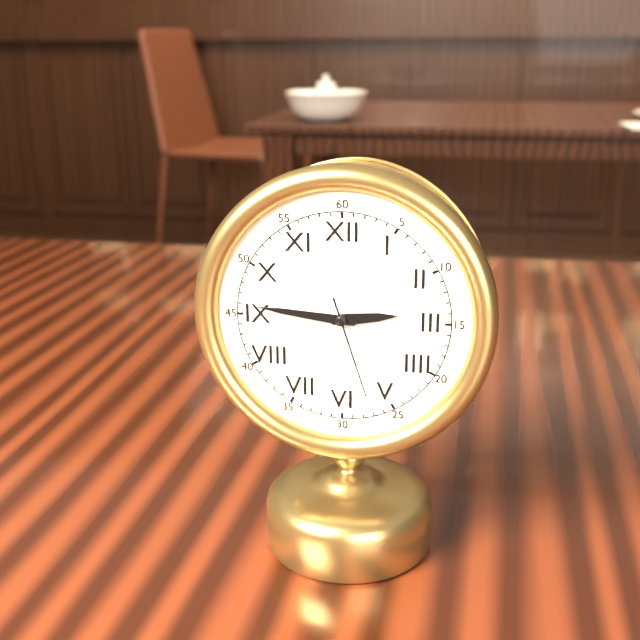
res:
2.46.27
